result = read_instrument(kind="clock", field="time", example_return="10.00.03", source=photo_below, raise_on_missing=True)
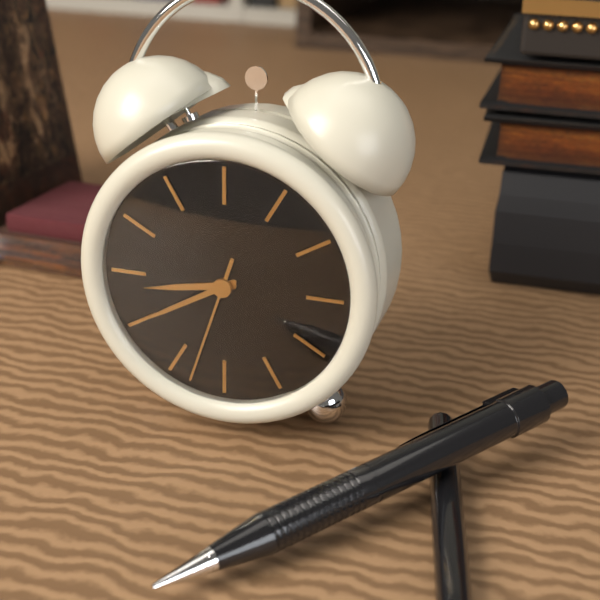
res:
8.40.33
